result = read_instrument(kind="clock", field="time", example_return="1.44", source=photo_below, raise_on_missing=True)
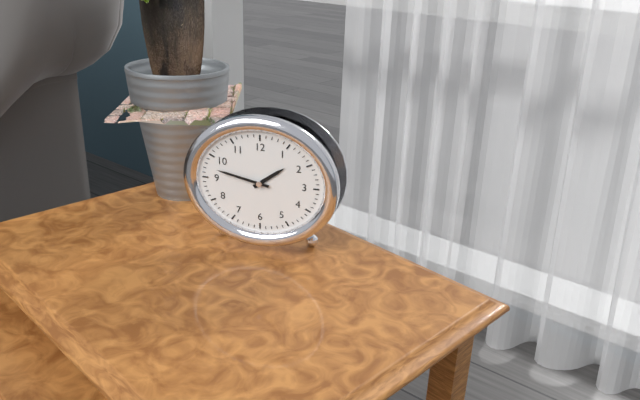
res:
1.47
